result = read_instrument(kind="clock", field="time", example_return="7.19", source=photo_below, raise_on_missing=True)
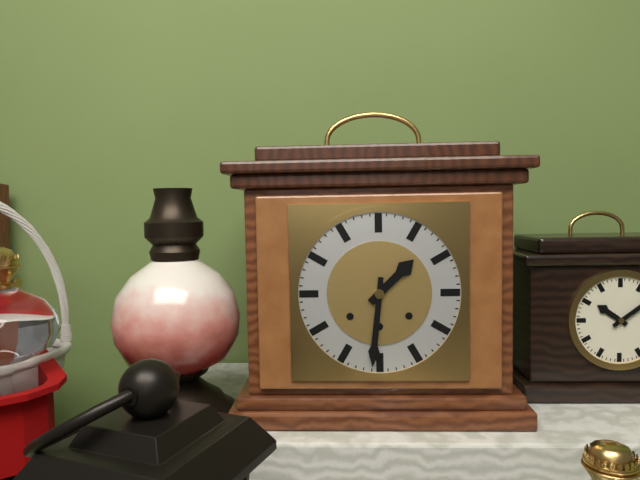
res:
1.31
